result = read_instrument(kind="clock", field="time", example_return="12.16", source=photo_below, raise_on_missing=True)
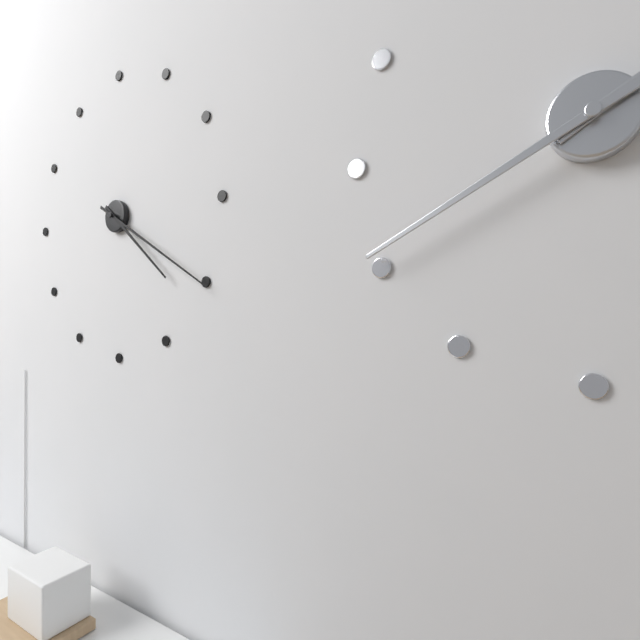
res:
4.20
